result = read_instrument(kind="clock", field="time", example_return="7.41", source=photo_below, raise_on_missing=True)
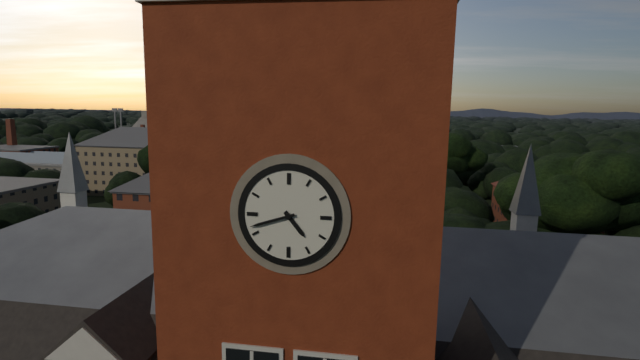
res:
4.42
